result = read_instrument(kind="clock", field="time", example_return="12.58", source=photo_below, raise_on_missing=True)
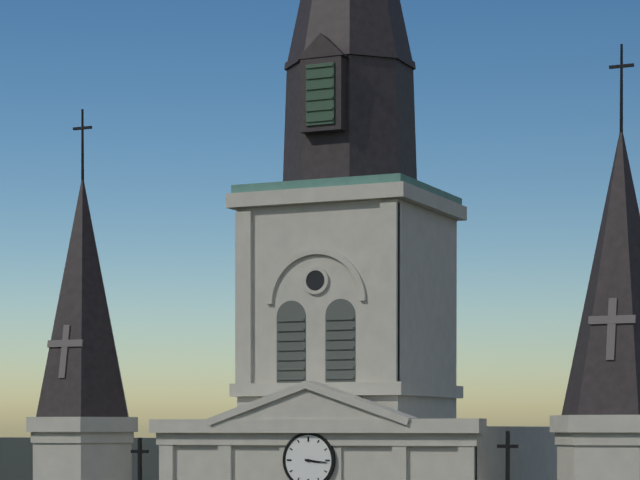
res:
3.16
